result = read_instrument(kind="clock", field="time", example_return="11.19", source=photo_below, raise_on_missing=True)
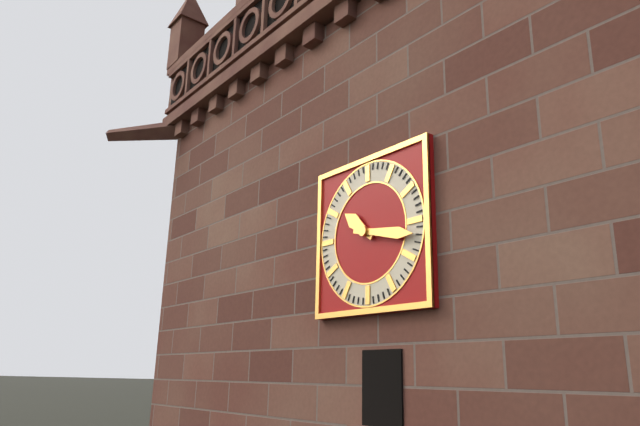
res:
10.17
